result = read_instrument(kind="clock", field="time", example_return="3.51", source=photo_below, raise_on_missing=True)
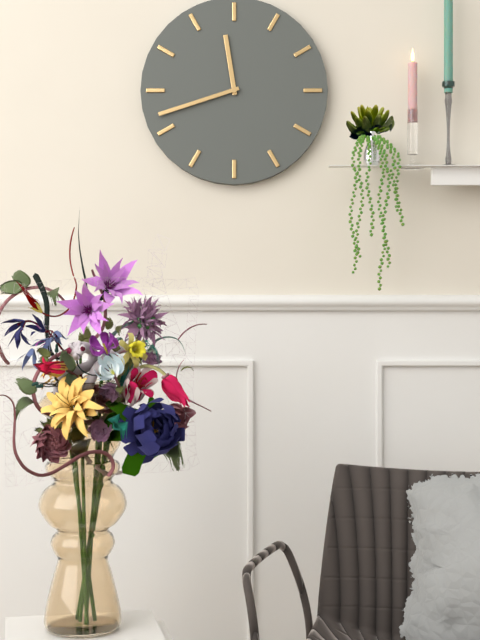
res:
11.42
